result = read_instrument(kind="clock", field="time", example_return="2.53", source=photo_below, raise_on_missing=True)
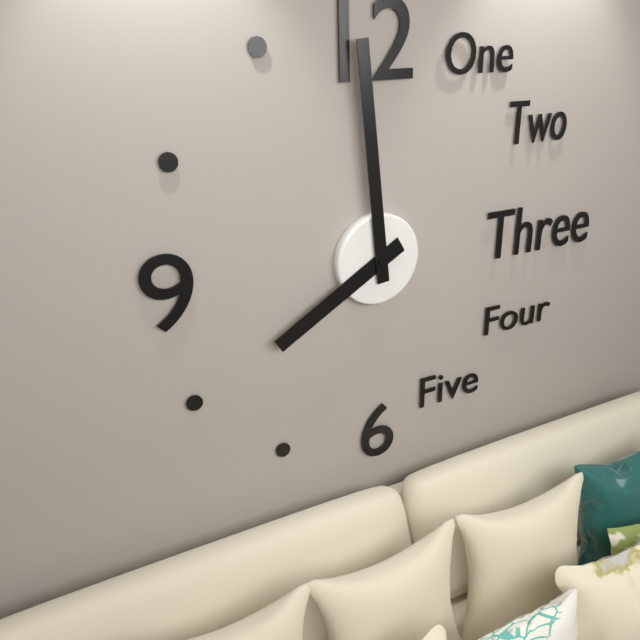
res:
7.59
